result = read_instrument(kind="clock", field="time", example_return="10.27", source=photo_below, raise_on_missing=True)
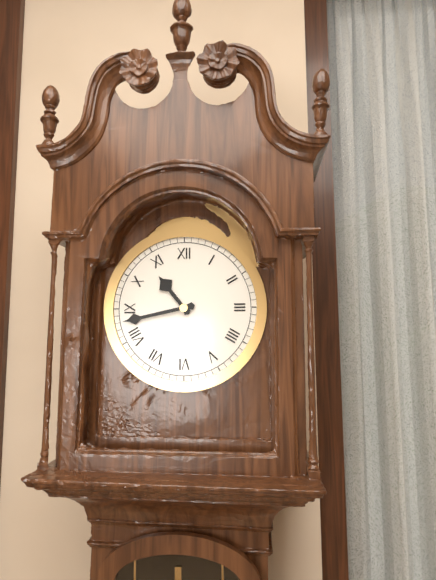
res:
10.43
